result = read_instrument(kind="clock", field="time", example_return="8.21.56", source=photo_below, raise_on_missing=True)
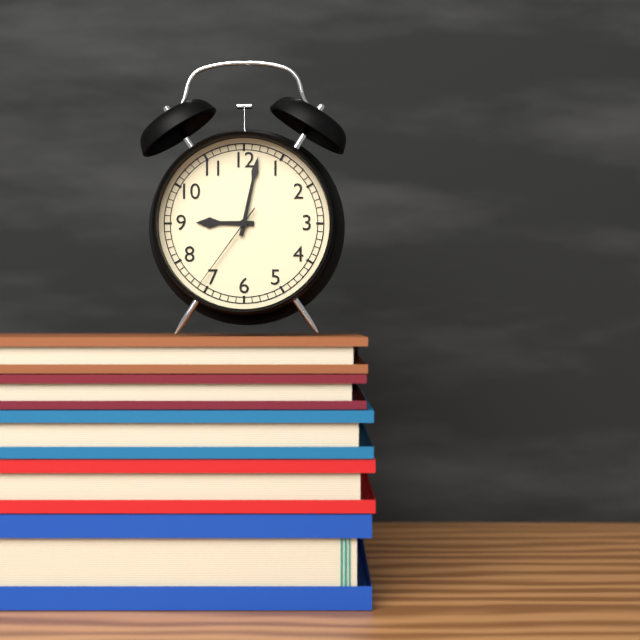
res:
9.02.36
